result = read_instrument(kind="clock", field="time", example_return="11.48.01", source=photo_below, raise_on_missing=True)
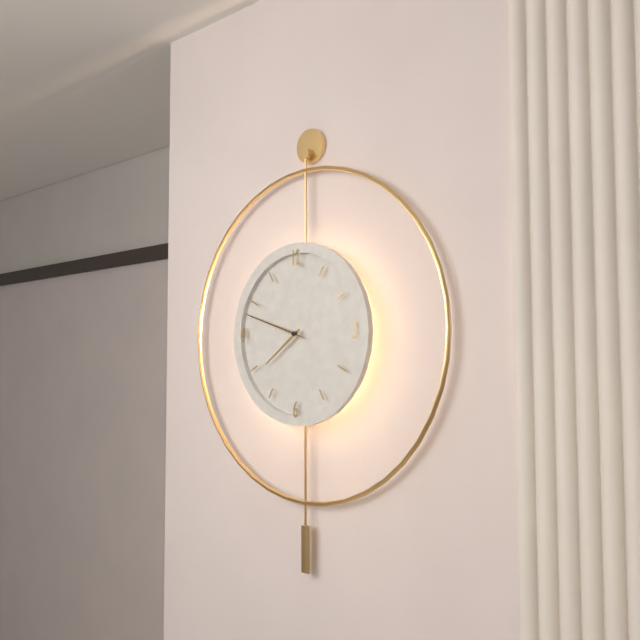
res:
7.48.48
